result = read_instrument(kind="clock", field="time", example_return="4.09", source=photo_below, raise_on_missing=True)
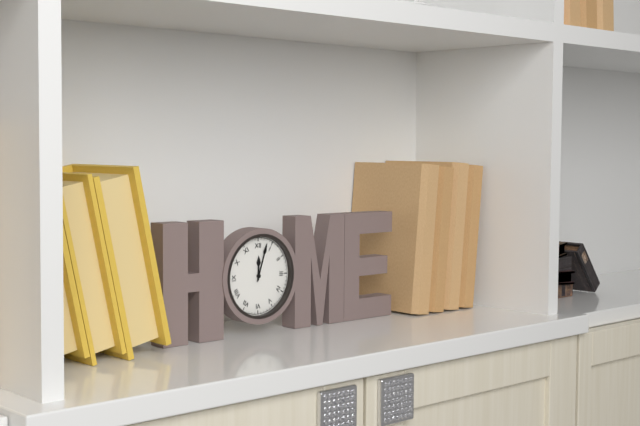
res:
12.03
